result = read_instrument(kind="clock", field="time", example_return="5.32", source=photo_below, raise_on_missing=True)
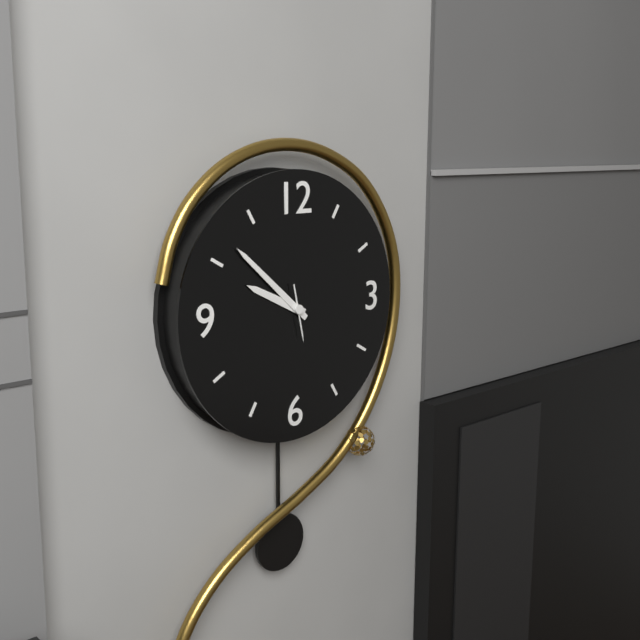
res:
9.52
